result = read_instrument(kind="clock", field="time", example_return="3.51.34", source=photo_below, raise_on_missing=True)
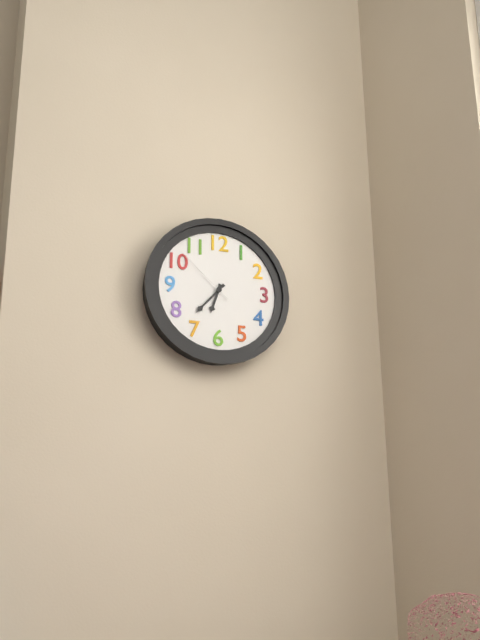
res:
6.37.52
